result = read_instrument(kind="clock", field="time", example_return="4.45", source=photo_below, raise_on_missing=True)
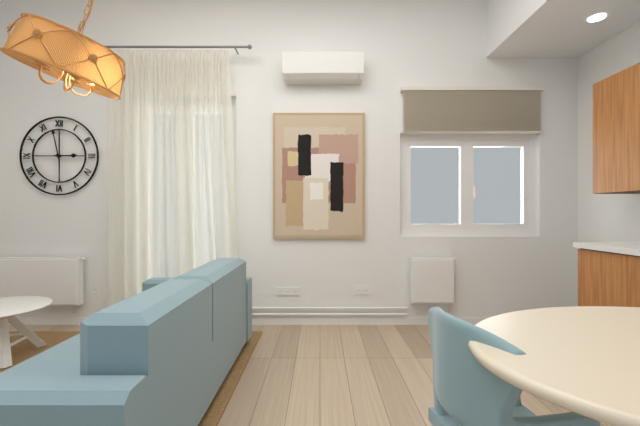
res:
2.58
